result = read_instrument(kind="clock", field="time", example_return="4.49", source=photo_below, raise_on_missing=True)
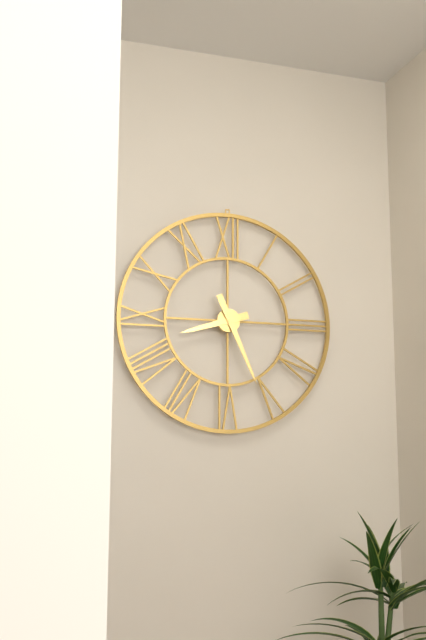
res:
8.26
